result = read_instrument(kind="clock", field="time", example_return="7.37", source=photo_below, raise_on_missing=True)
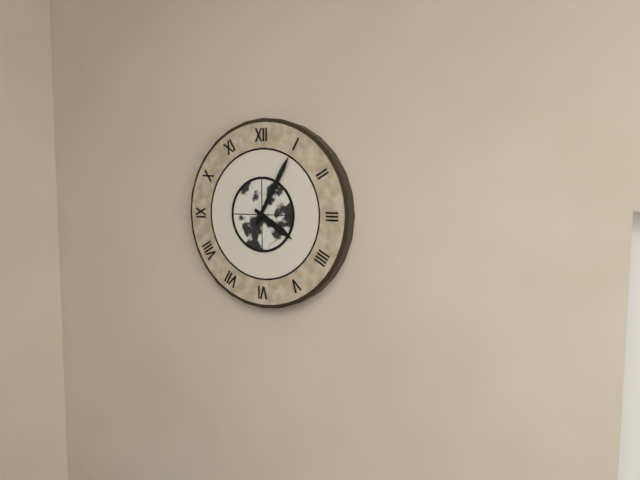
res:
4.05
